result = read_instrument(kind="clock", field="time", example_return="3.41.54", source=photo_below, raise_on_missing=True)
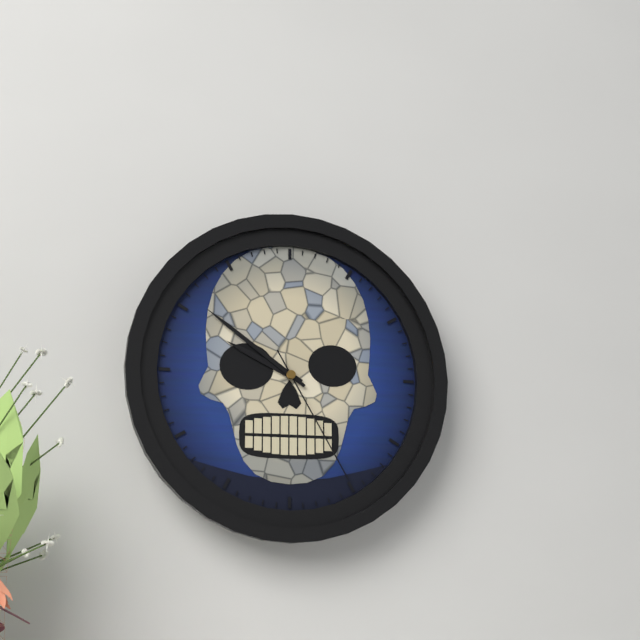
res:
9.51.25
